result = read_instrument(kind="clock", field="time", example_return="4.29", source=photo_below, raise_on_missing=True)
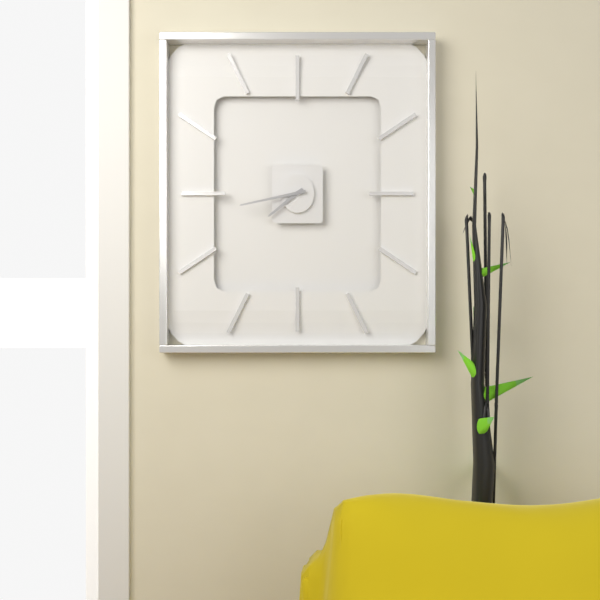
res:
7.43
